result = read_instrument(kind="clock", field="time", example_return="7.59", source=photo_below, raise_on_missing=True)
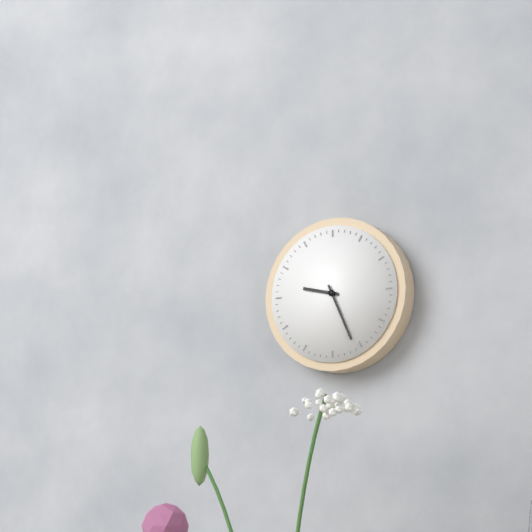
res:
9.26
